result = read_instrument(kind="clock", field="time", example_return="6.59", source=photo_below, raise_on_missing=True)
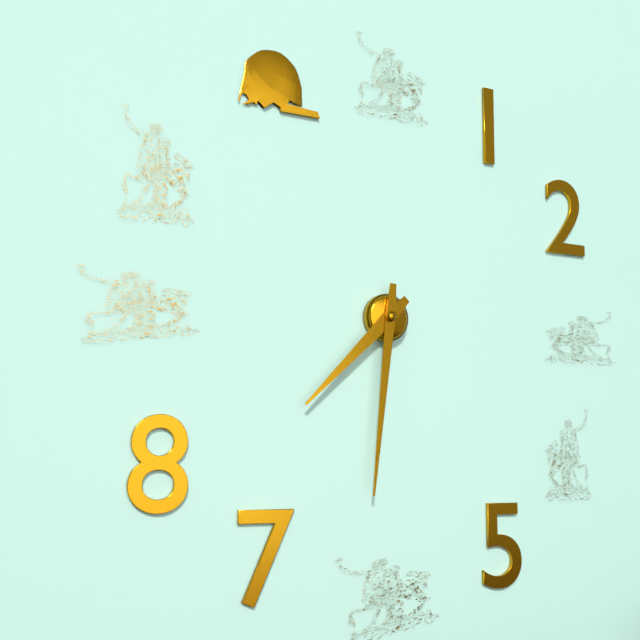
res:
7.31
